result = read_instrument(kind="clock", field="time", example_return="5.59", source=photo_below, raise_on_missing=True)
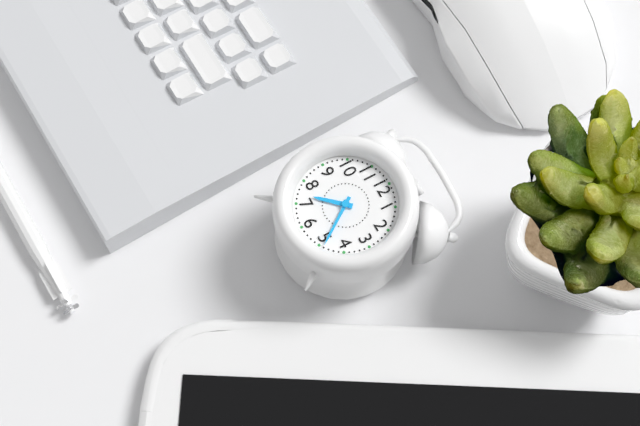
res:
7.24
